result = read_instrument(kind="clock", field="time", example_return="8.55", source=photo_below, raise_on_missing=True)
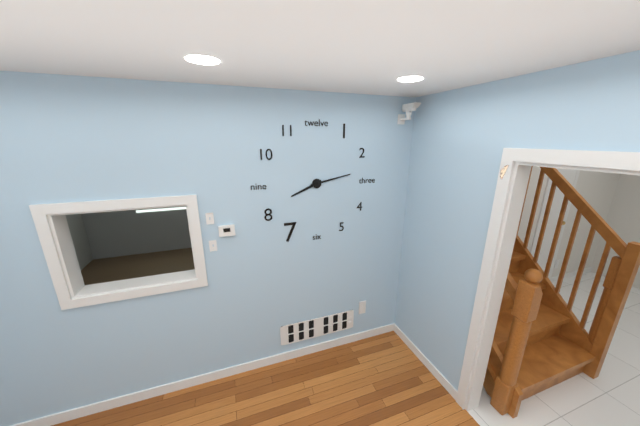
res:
8.13
